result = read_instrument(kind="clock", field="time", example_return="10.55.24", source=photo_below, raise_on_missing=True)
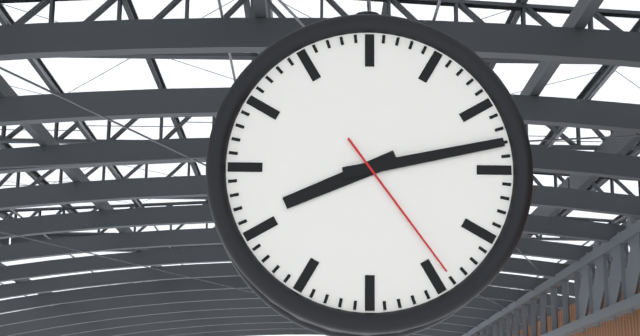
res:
8.13.24
